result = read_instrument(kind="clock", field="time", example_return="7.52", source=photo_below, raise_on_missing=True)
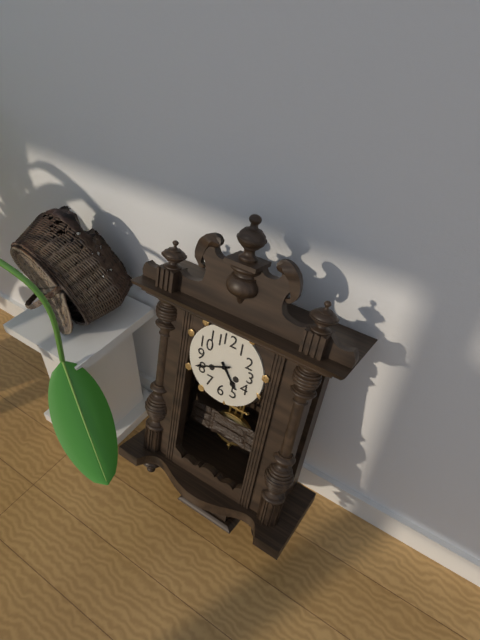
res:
4.41
